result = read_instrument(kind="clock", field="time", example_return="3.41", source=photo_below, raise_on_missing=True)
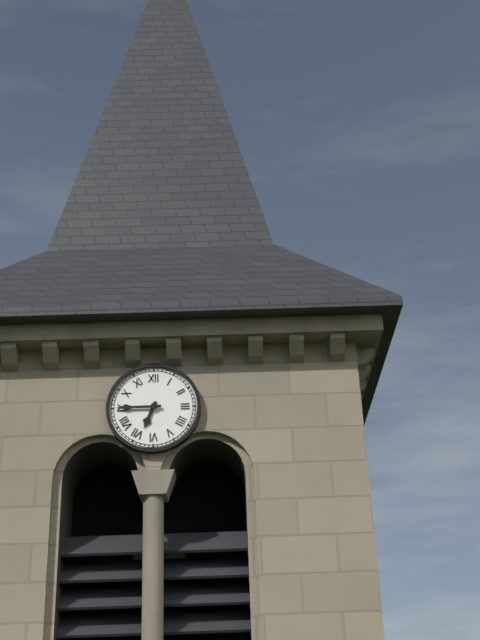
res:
6.45
